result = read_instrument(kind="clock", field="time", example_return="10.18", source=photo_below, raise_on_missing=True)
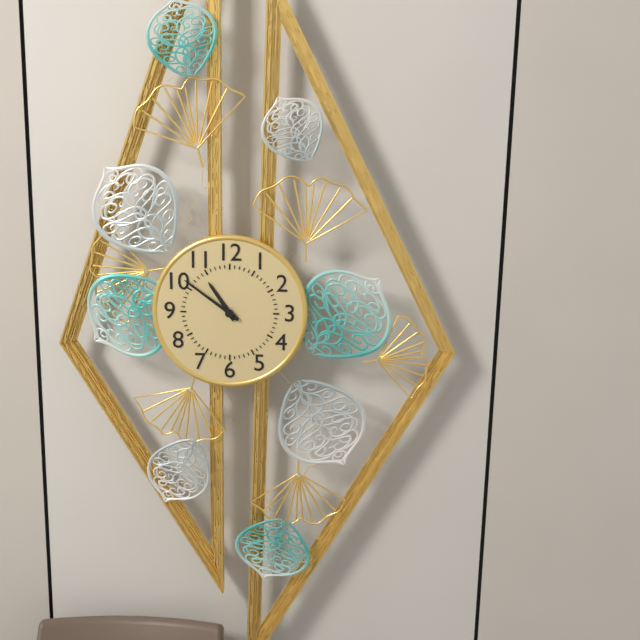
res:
10.51
